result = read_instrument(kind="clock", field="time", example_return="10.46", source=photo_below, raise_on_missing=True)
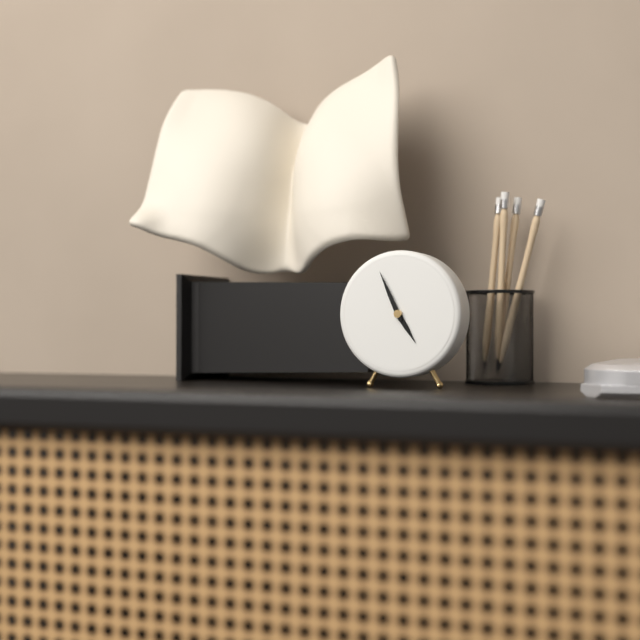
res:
4.56
